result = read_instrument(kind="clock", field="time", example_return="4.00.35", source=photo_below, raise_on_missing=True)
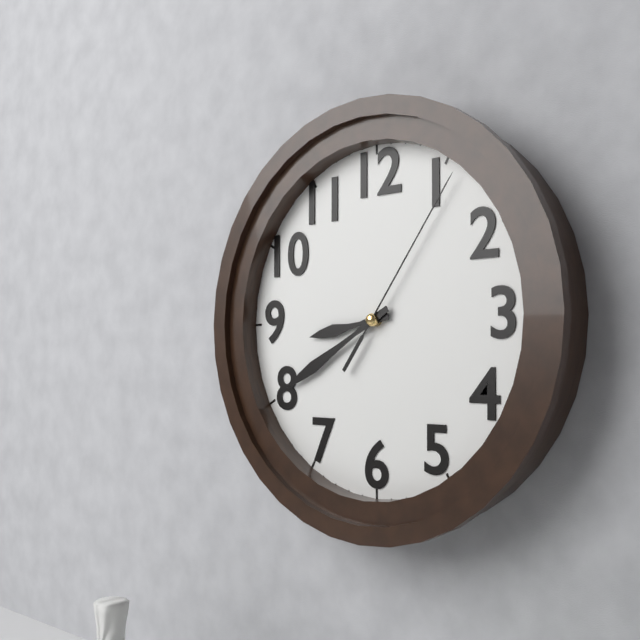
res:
8.40.06
